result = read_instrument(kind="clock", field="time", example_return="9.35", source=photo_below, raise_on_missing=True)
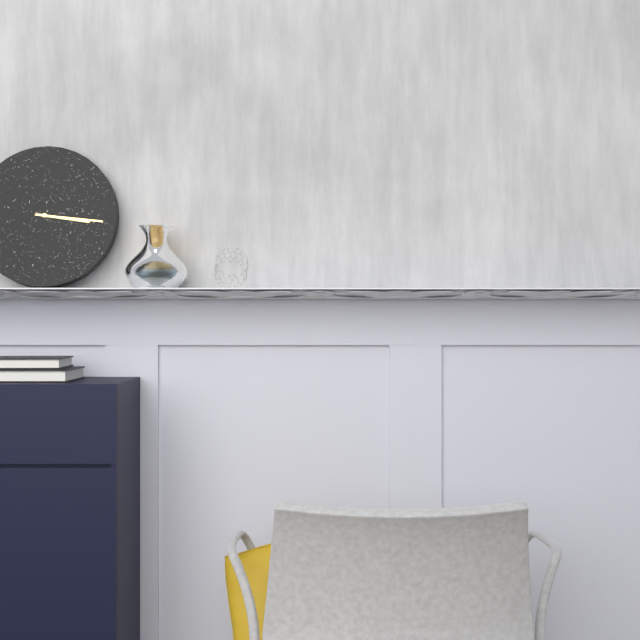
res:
3.16
